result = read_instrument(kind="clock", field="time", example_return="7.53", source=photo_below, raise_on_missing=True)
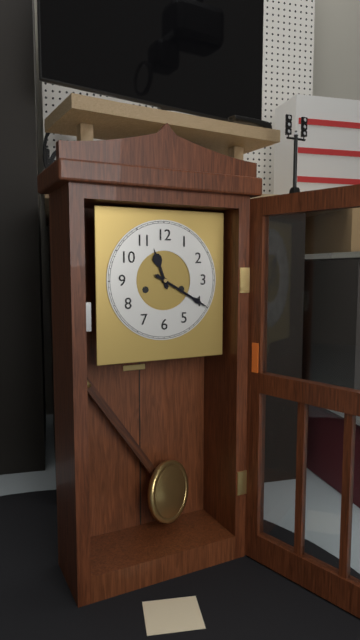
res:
11.20
